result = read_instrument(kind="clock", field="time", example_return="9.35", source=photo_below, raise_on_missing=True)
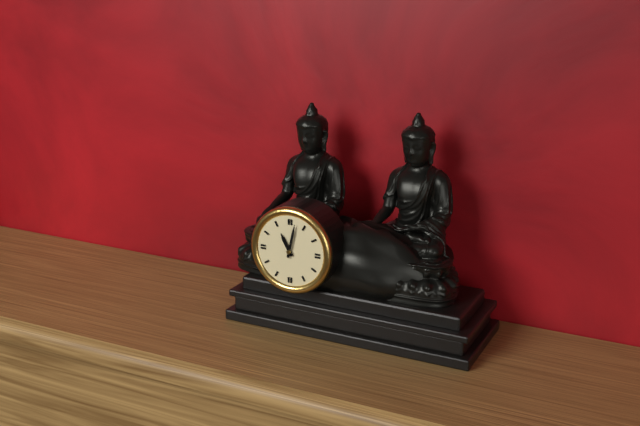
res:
11.02
